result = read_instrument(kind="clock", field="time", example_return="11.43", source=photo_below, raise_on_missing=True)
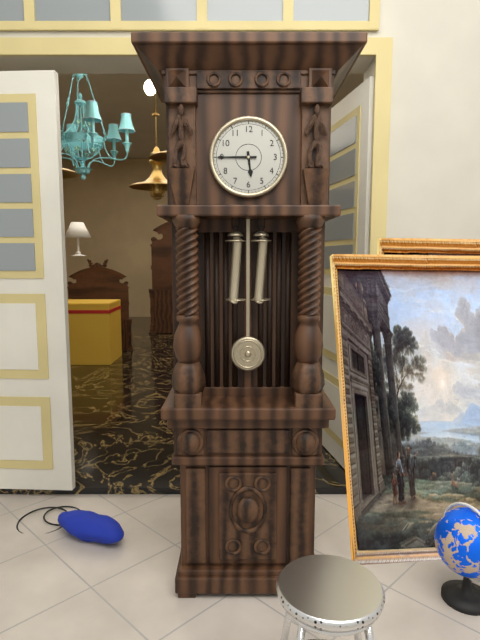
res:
5.45
